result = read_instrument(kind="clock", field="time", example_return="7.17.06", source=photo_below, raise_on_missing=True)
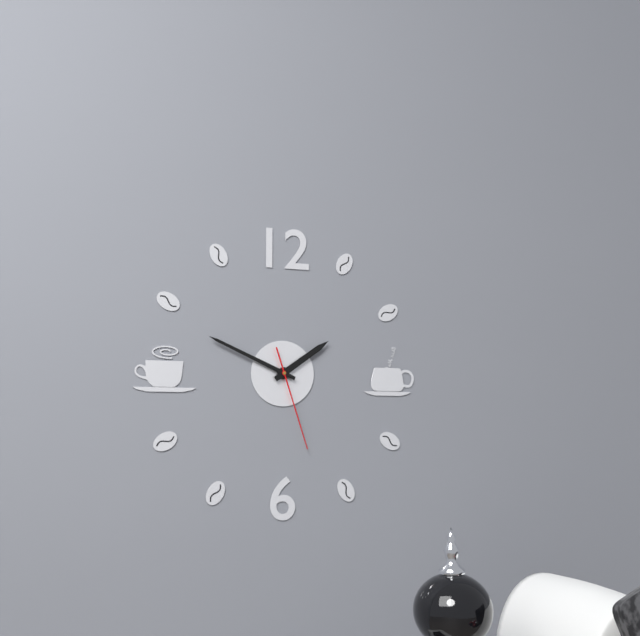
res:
1.49.27
